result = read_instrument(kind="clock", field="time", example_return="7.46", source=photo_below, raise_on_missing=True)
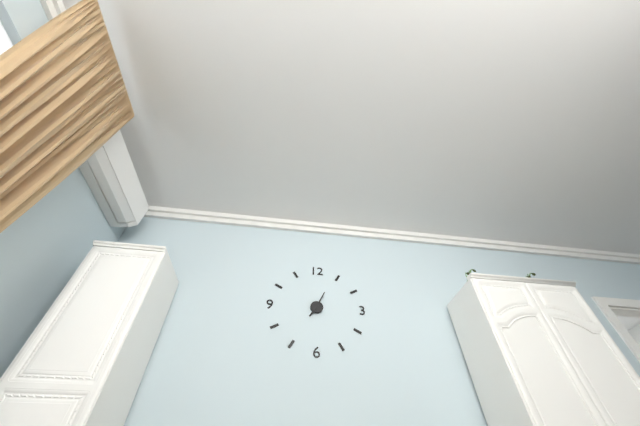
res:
7.04
